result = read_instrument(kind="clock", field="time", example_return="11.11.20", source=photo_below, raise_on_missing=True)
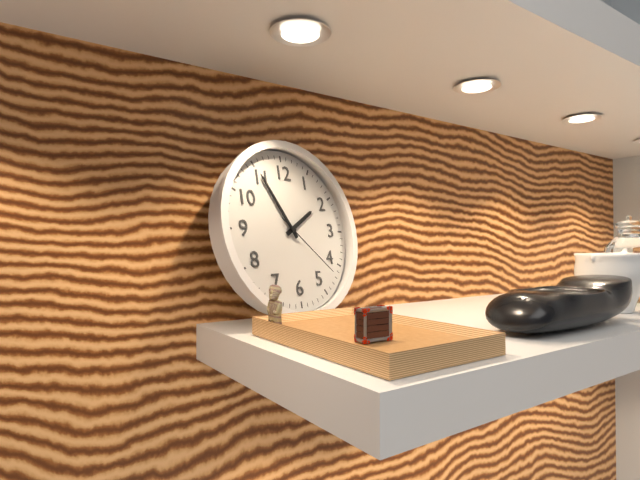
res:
1.55.22
